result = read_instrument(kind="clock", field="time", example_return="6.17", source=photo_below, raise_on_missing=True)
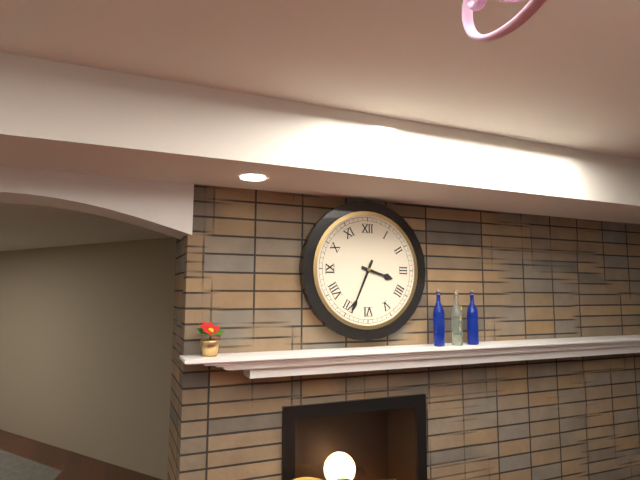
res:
3.34
